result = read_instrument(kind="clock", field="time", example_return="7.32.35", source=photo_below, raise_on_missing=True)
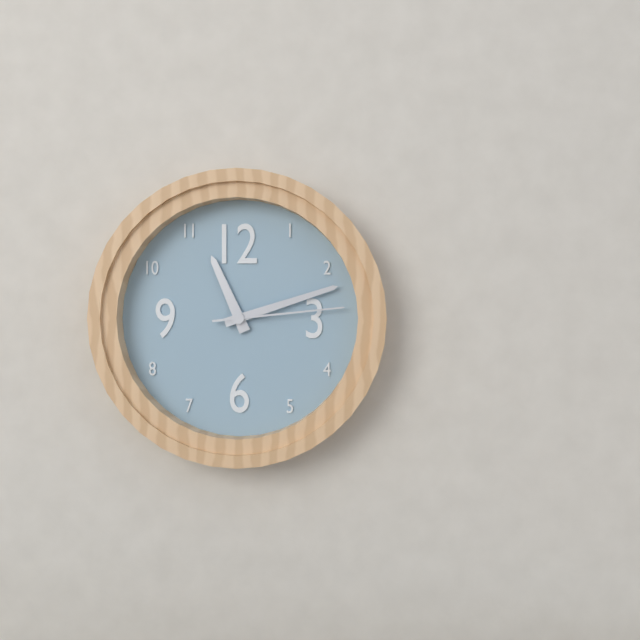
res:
11.12.14
